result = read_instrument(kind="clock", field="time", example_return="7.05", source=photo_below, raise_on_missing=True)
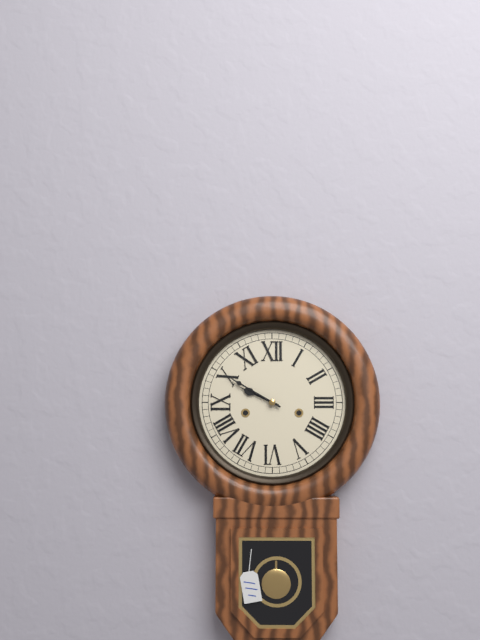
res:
9.50
